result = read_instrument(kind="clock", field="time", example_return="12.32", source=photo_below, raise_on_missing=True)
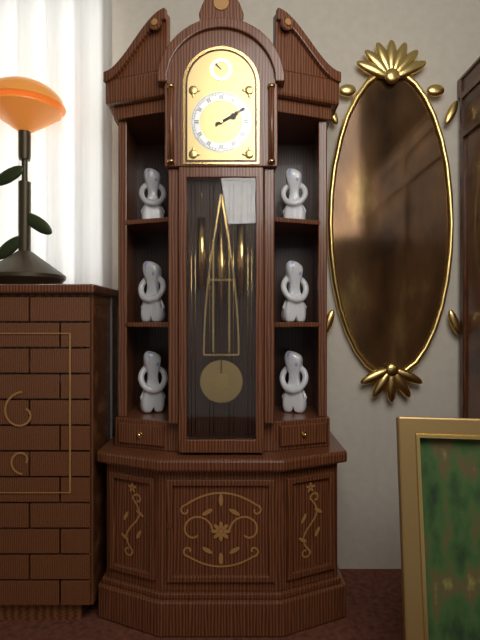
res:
2.10
